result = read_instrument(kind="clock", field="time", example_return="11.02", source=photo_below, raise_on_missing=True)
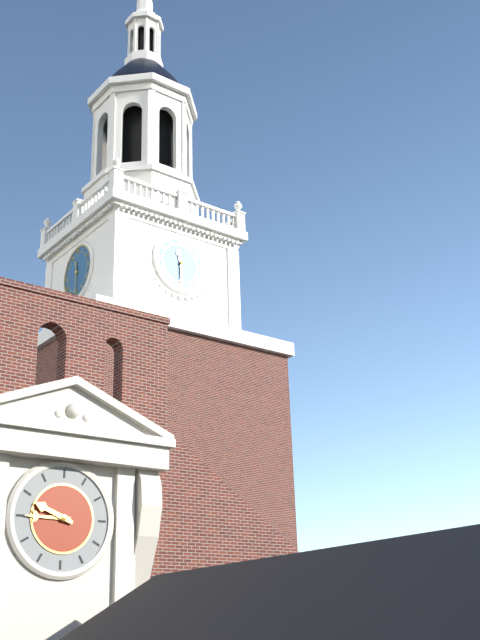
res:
11.30
